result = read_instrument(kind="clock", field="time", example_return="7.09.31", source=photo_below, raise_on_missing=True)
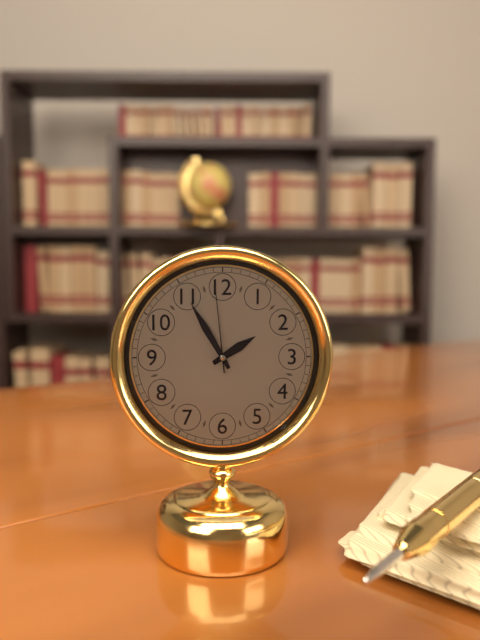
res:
1.55.59
